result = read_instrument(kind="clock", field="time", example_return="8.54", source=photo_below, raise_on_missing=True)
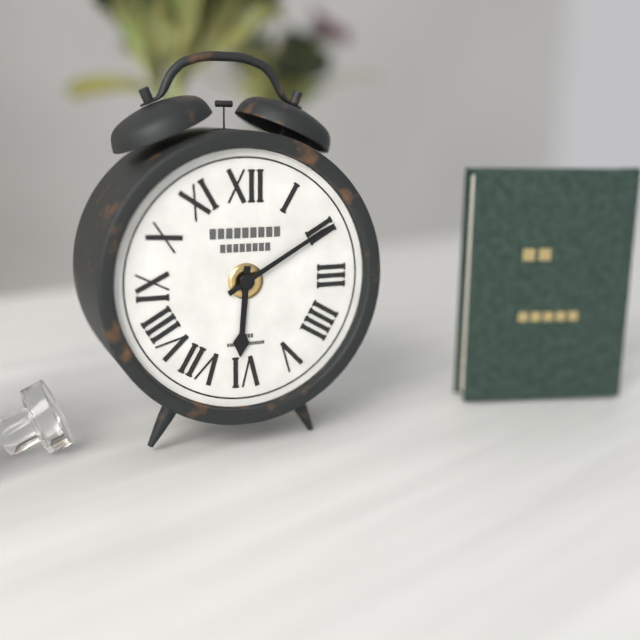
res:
6.10
